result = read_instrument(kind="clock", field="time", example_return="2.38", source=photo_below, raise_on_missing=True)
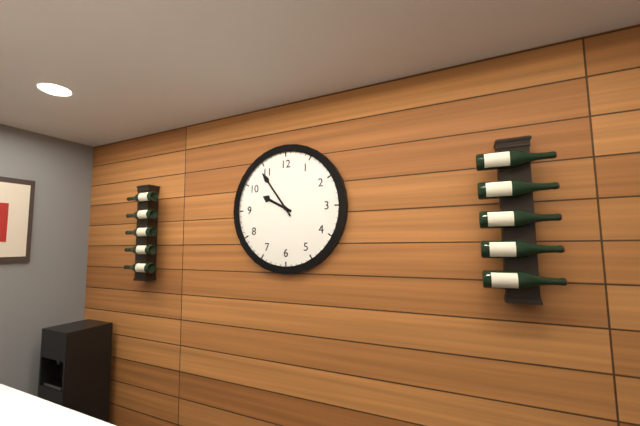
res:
9.54
